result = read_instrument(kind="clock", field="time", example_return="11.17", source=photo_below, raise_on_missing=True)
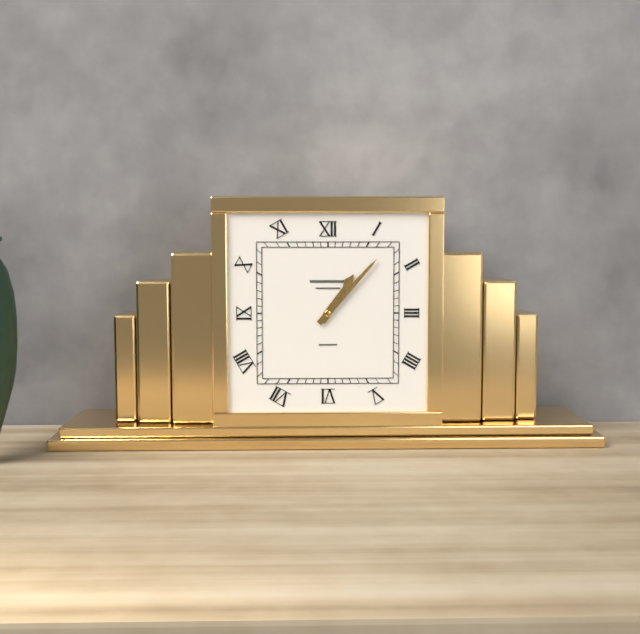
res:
1.07
